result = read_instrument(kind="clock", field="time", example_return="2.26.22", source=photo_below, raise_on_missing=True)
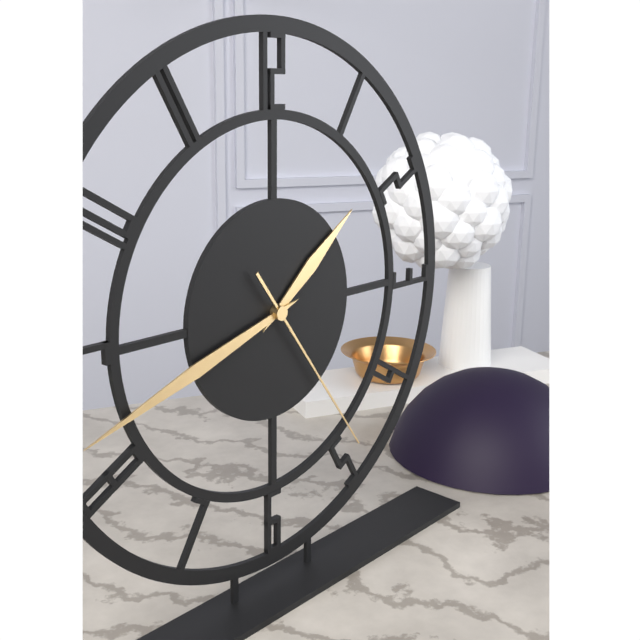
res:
1.42.24
